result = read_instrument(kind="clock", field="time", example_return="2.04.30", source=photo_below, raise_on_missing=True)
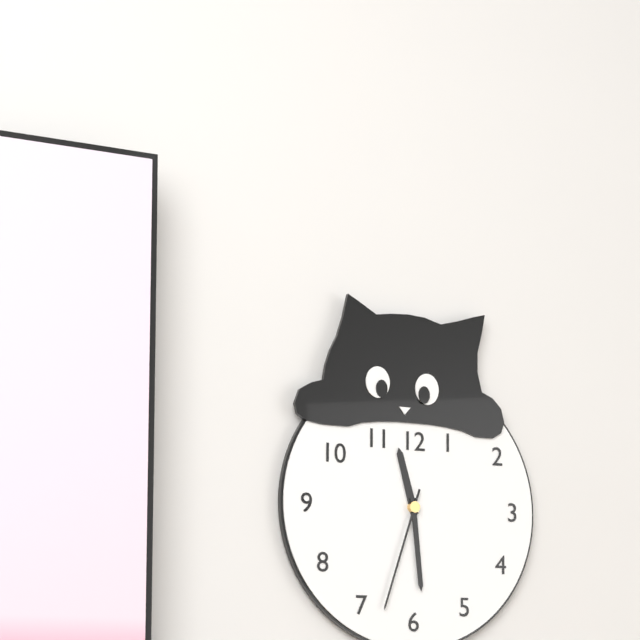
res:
11.29.33
